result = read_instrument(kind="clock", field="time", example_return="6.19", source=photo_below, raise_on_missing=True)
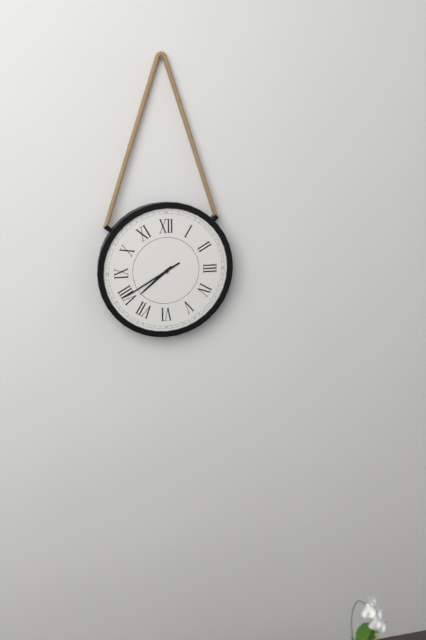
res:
7.40
